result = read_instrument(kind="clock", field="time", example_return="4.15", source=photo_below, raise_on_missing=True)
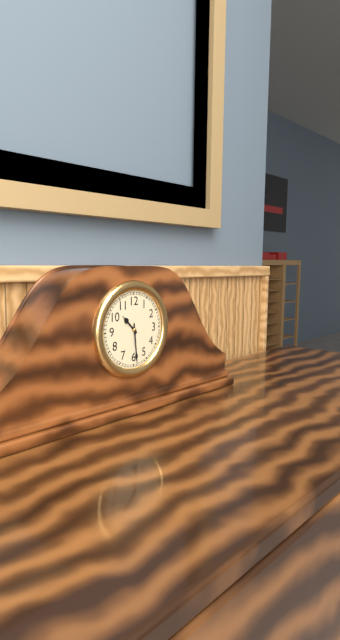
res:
10.29
